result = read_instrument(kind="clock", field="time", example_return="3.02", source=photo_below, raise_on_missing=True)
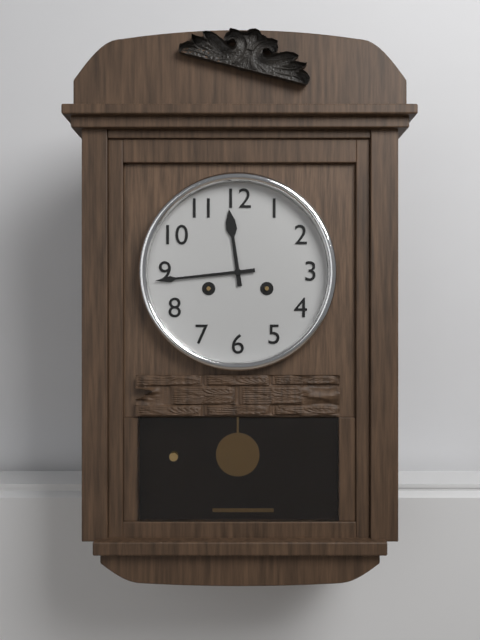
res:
11.44
